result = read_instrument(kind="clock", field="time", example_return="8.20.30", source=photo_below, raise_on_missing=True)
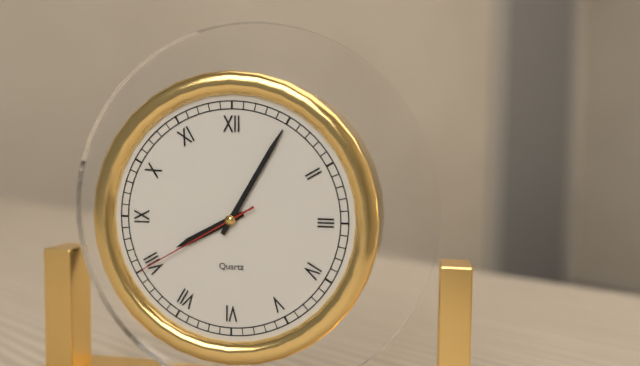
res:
8.05.40
